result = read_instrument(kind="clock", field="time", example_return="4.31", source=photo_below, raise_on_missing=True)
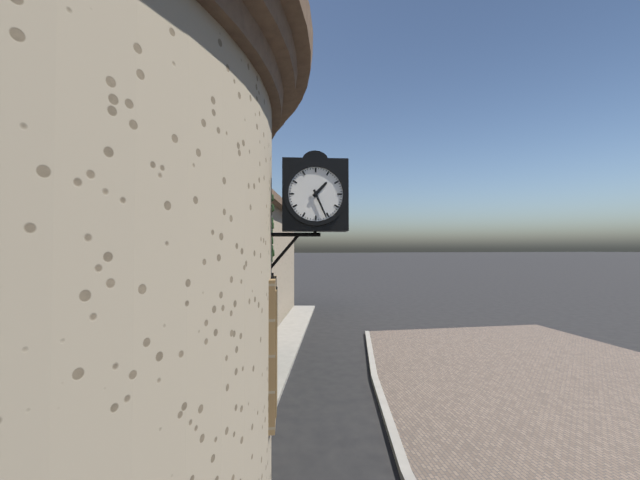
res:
1.26
